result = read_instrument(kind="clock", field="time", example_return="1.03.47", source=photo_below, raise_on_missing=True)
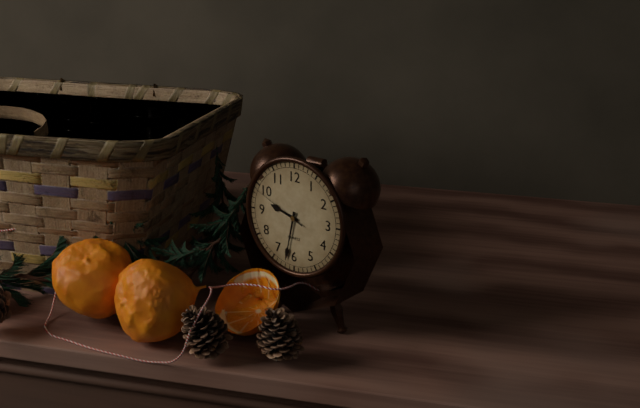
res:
9.32.49
